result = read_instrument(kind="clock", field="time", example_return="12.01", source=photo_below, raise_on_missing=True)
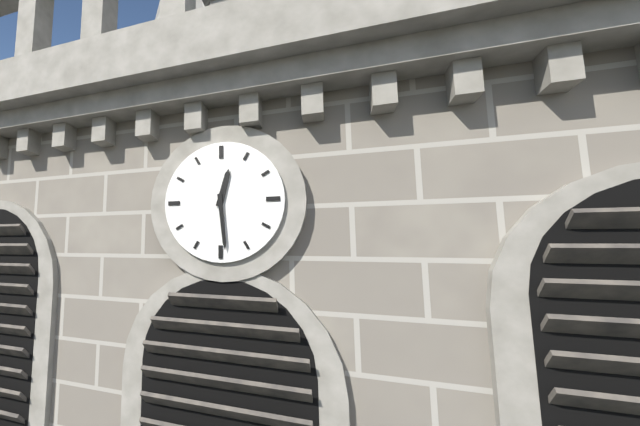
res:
12.29
